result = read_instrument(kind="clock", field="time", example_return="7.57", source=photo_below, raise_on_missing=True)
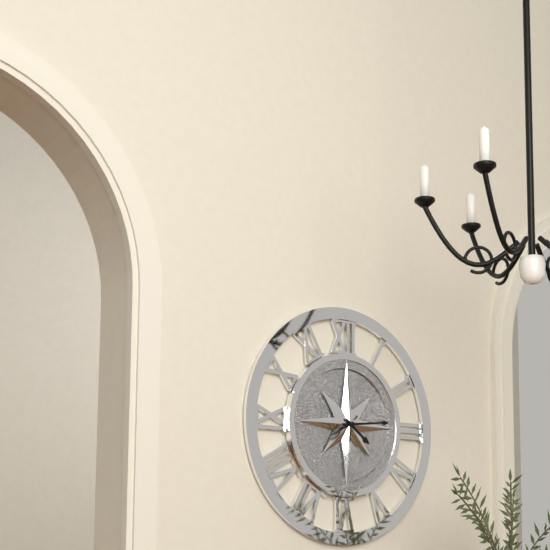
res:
4.14
